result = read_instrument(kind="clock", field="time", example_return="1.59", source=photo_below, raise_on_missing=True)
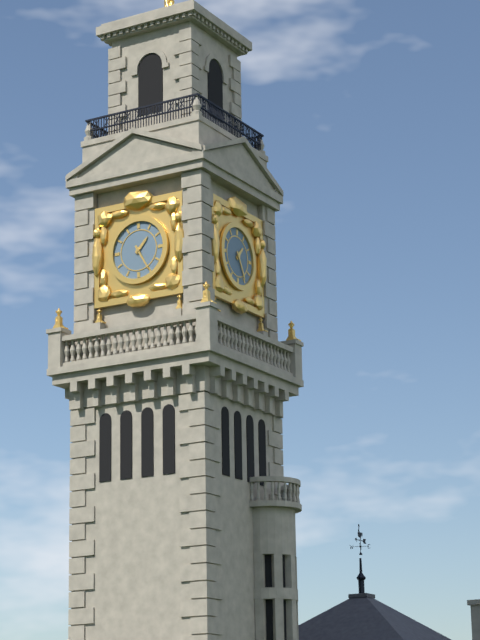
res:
1.25
